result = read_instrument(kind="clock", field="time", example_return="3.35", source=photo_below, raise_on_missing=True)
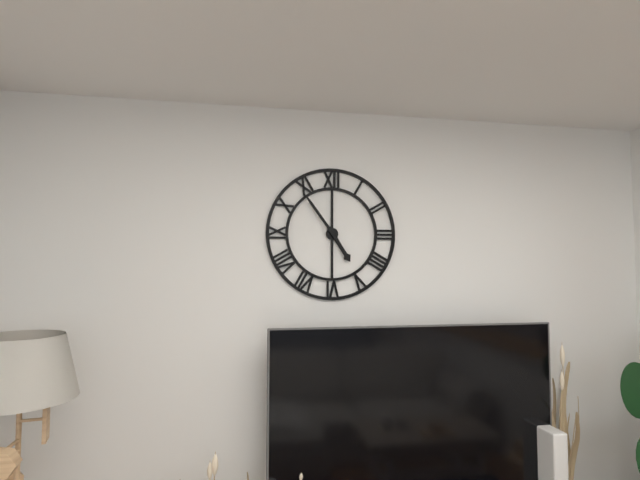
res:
4.54
